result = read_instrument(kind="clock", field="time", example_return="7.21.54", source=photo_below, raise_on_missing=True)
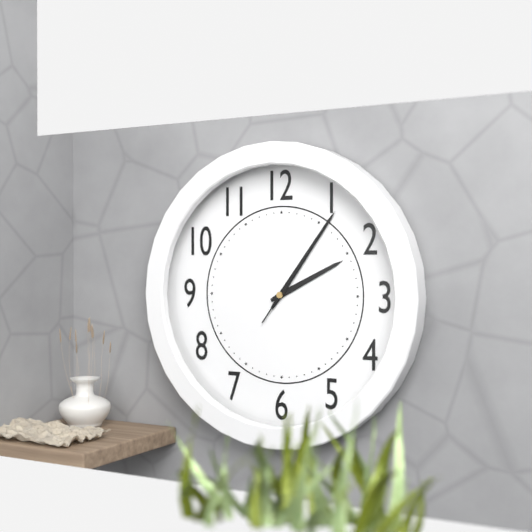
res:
2.06.06
